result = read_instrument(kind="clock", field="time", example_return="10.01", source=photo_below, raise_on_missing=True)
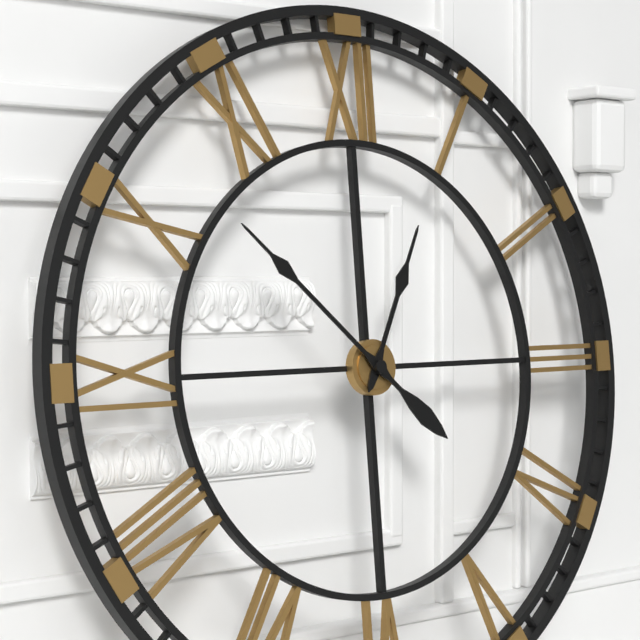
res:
12.52
